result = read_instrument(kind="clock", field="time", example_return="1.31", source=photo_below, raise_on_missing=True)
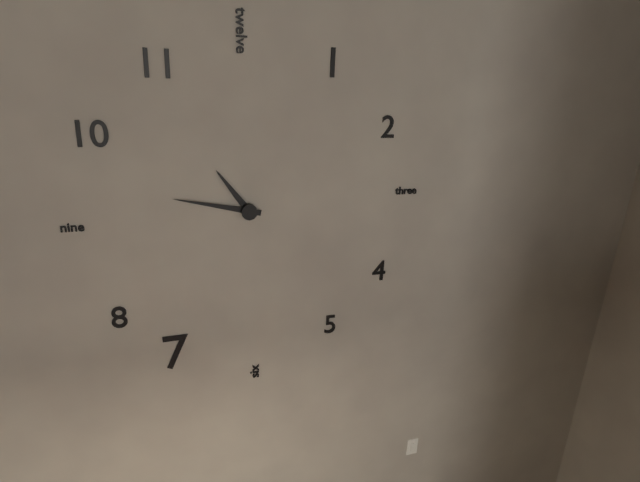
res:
10.47
